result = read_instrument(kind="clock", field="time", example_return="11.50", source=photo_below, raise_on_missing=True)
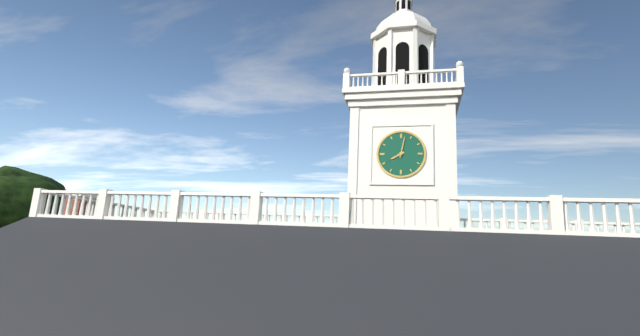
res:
8.02
